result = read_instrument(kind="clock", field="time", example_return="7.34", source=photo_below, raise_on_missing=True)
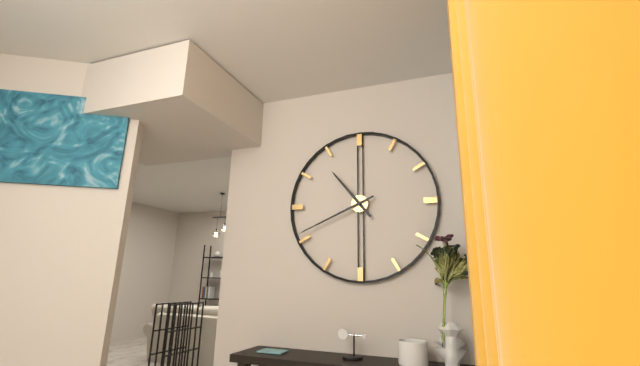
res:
10.41
